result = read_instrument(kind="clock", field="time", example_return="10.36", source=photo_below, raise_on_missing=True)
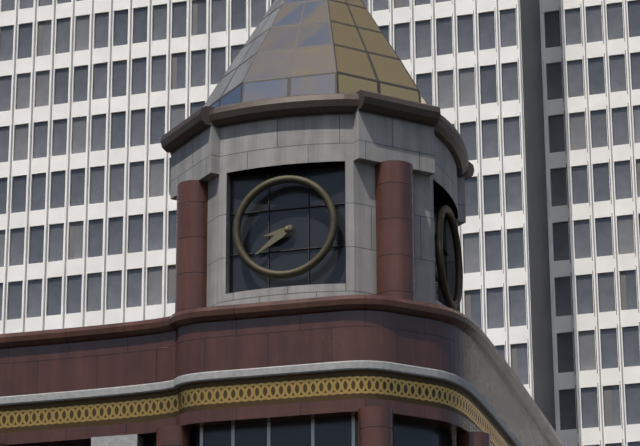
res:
8.39
